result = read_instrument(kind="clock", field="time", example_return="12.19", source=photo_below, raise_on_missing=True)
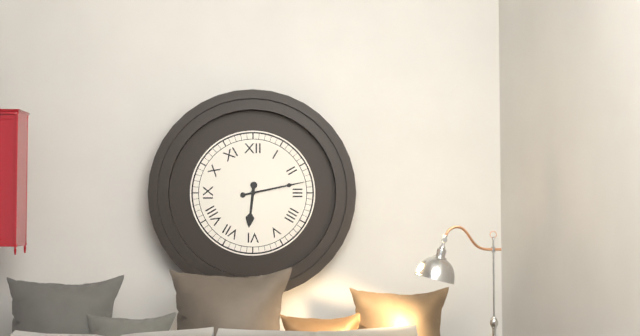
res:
6.13
